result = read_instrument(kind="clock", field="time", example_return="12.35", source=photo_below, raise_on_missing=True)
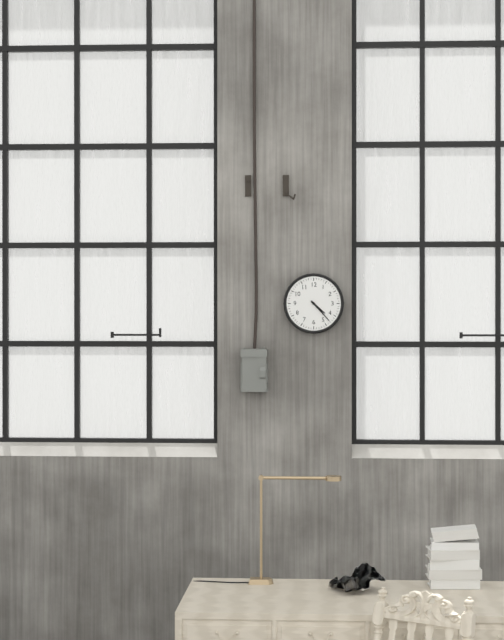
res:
4.23
